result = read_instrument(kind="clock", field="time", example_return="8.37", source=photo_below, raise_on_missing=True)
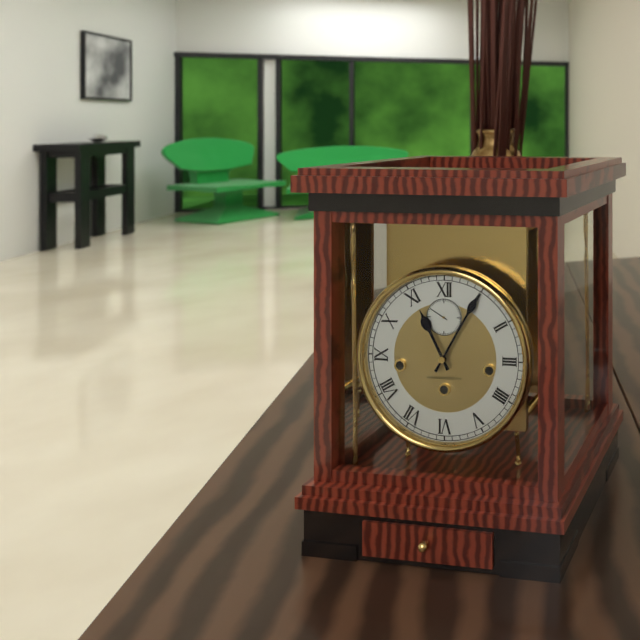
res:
11.05
